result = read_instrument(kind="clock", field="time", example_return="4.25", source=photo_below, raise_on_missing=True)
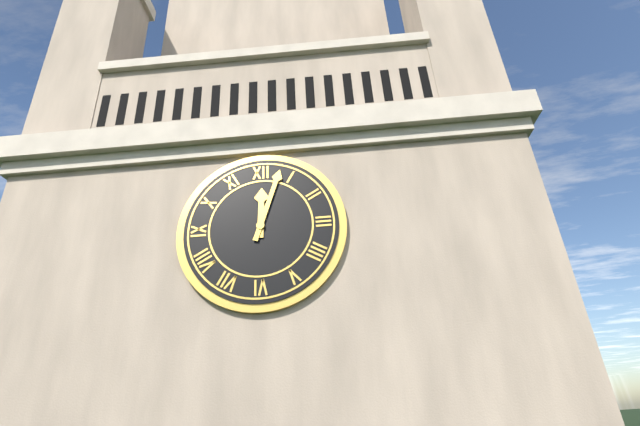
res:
12.03
